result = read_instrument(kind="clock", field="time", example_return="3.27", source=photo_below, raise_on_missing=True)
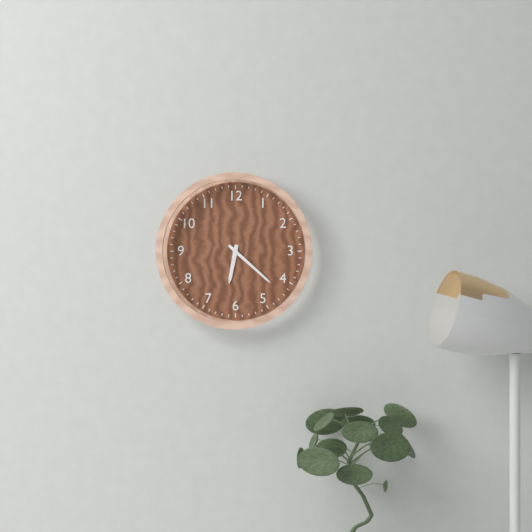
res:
6.22
